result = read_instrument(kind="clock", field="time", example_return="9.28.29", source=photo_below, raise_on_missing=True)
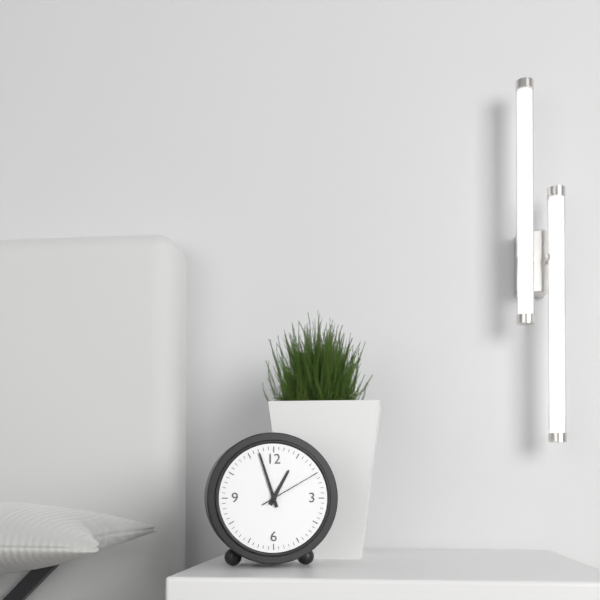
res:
12.57.10
